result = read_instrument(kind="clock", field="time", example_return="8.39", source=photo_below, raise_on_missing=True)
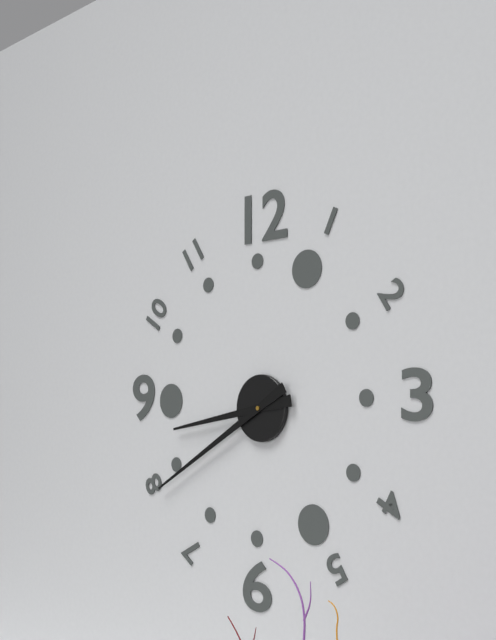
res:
8.40
